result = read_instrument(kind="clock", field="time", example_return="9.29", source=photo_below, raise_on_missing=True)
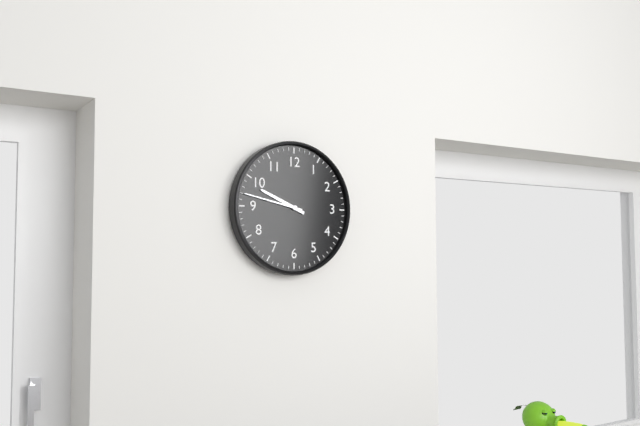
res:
9.47
